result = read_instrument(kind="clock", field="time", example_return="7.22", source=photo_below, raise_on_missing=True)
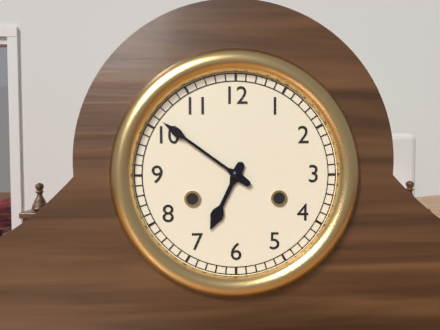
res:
6.51
